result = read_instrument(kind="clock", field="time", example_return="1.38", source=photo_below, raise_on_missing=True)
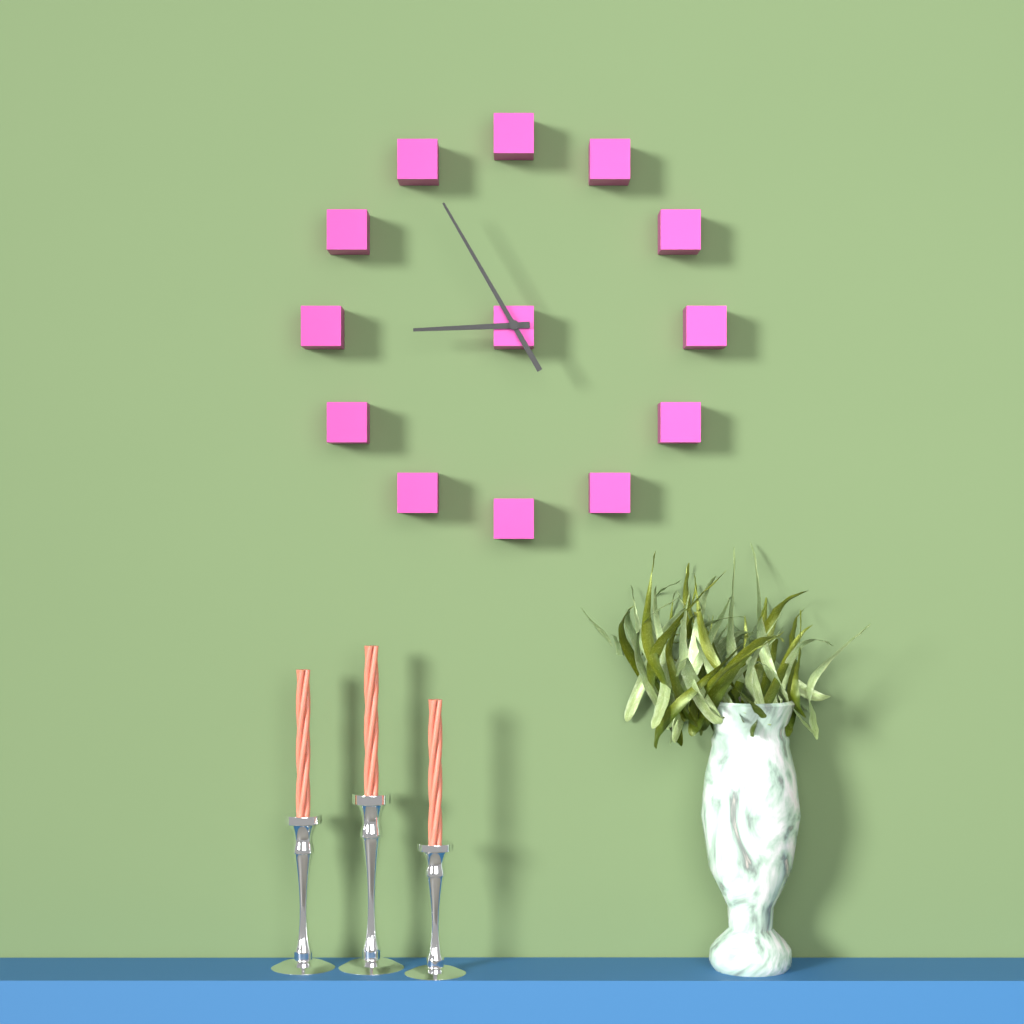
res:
8.55
